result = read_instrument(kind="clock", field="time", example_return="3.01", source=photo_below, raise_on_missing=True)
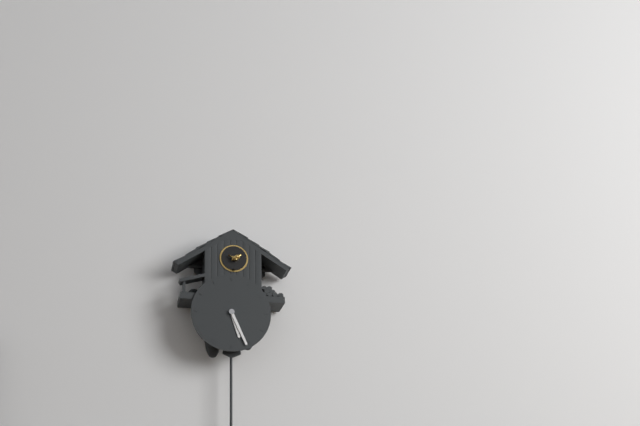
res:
5.26
